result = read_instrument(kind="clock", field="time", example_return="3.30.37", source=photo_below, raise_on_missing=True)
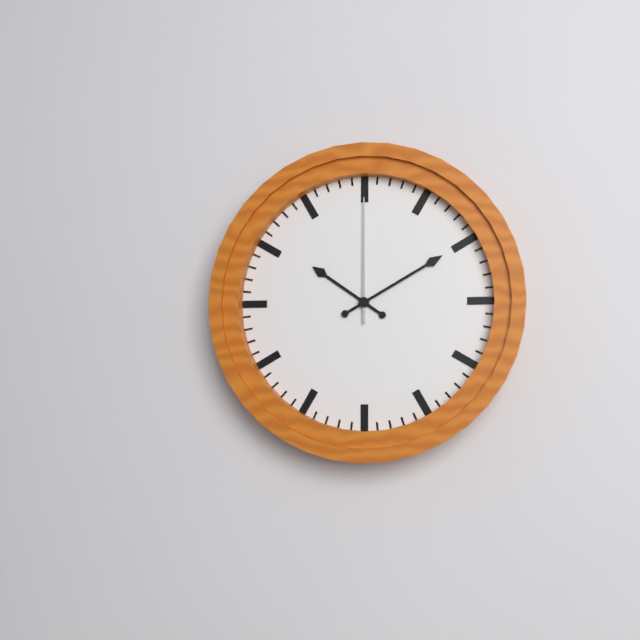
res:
10.10.00
